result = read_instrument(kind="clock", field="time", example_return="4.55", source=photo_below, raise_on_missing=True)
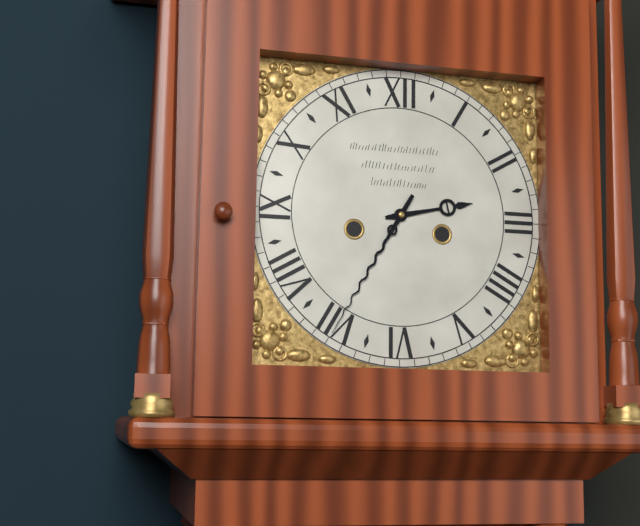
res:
2.35
